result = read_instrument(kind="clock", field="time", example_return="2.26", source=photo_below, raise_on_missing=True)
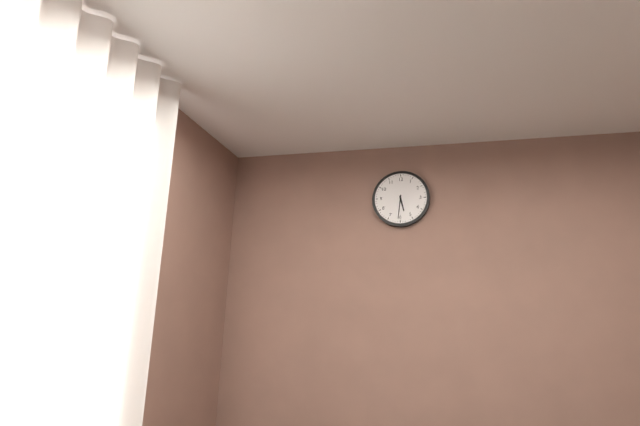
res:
5.31
